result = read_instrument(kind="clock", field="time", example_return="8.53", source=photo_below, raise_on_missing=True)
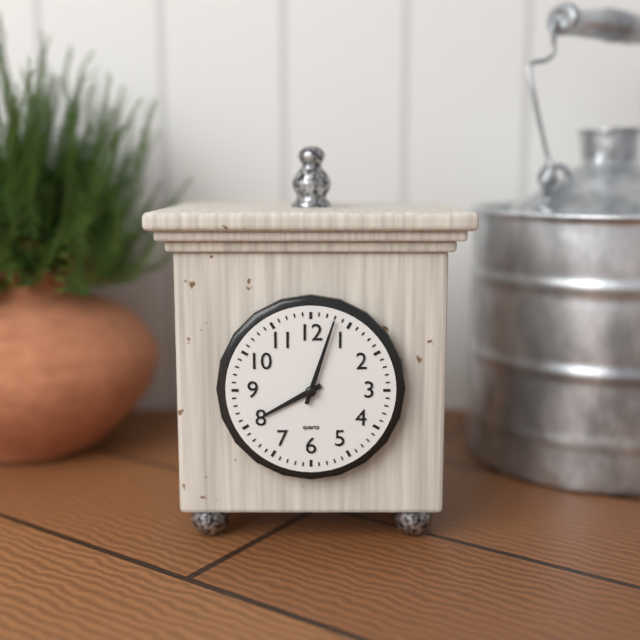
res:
8.03
